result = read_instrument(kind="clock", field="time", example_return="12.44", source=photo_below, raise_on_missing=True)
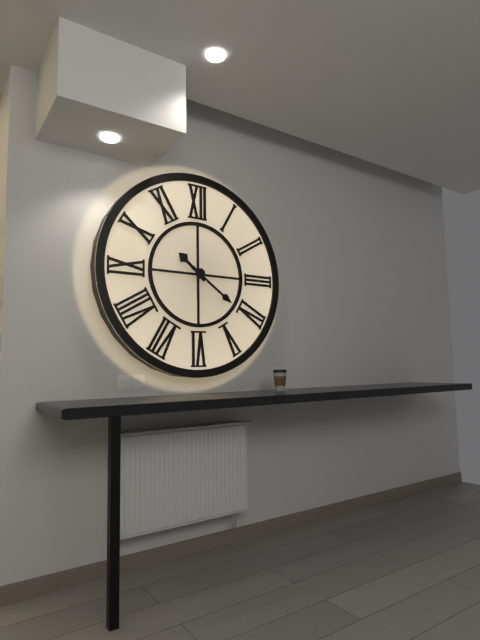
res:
10.21
